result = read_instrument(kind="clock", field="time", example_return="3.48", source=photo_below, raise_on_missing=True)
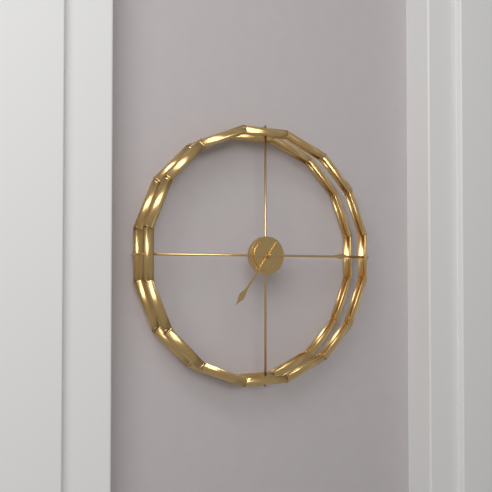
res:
7.15
